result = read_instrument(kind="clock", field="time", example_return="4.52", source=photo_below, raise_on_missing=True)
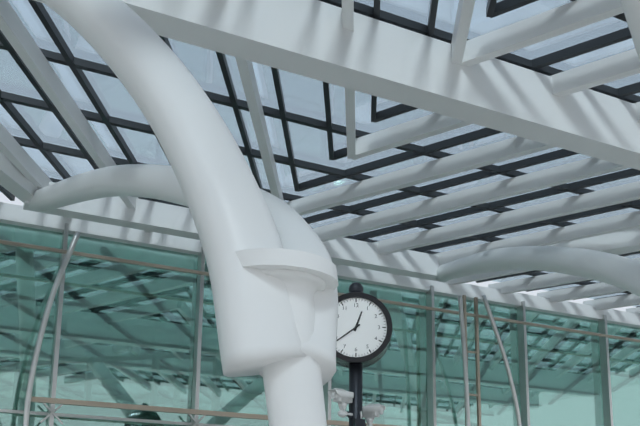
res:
12.39
